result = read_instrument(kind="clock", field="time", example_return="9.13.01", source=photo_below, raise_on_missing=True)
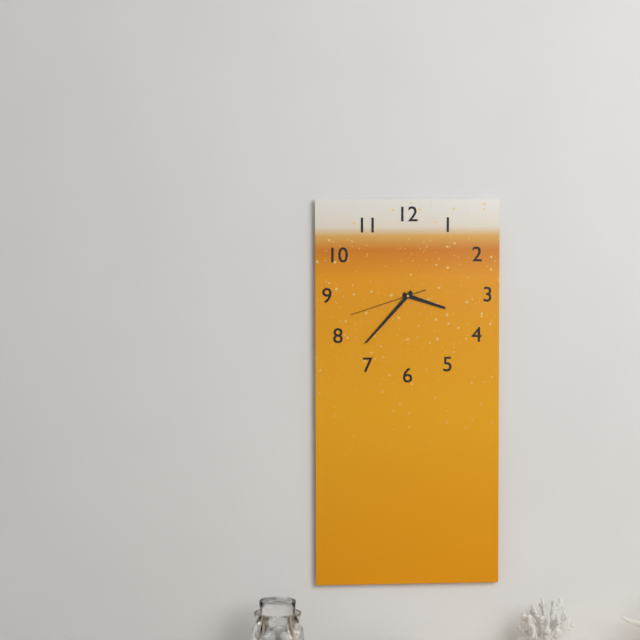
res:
3.37.42
